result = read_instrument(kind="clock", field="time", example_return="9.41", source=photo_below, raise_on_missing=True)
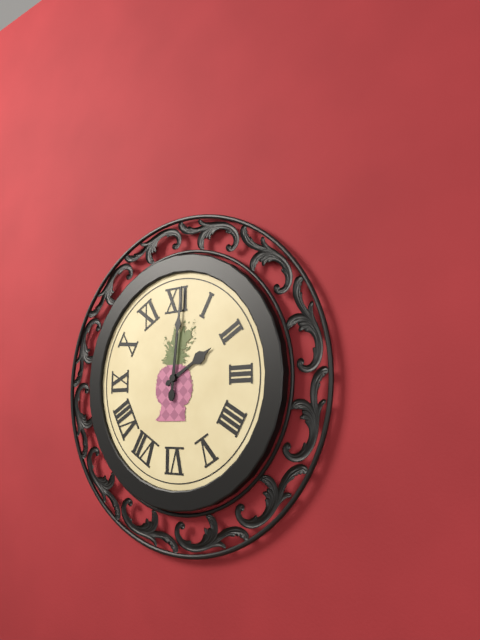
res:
2.01
